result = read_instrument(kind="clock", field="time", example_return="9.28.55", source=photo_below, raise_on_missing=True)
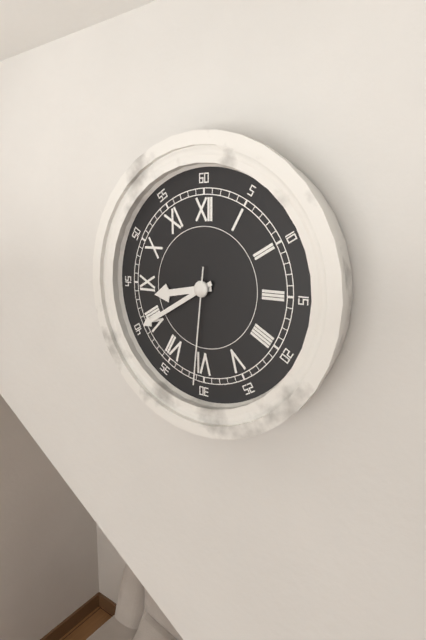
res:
8.40.31
